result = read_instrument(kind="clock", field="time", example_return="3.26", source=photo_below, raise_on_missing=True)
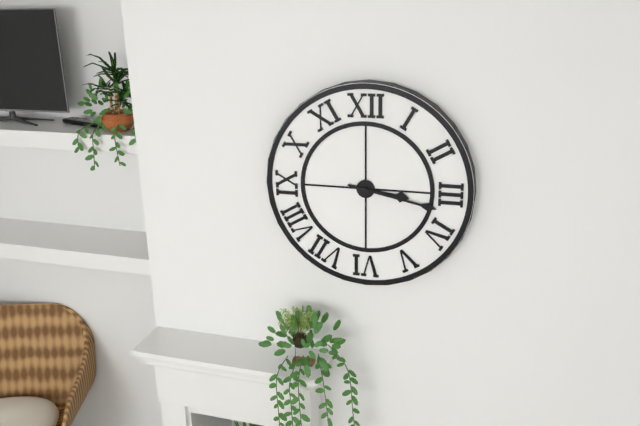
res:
3.17
